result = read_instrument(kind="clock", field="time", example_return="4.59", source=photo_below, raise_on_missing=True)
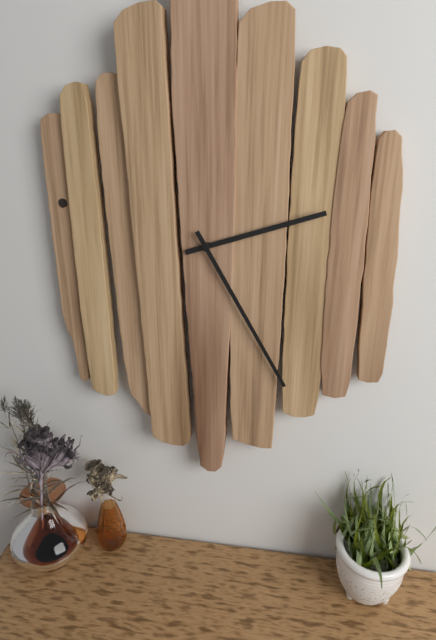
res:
2.25
